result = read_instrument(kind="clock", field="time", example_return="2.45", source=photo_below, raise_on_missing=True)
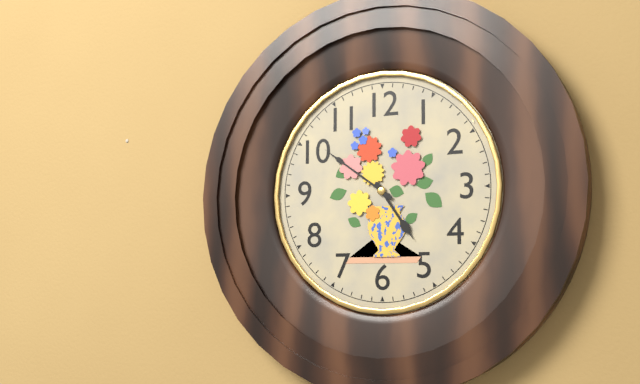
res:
4.51
